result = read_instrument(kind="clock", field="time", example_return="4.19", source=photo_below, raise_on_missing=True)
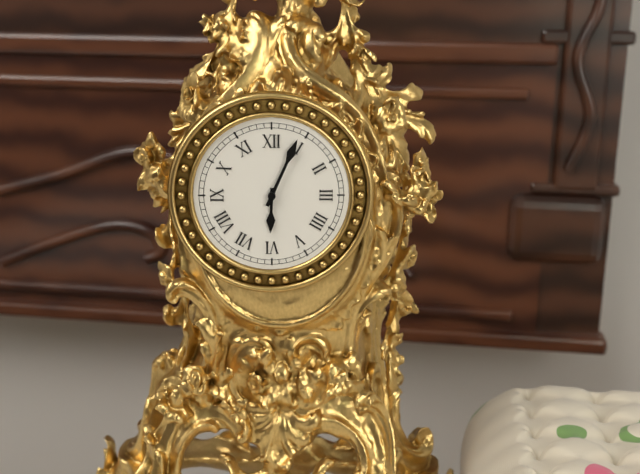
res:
6.04
